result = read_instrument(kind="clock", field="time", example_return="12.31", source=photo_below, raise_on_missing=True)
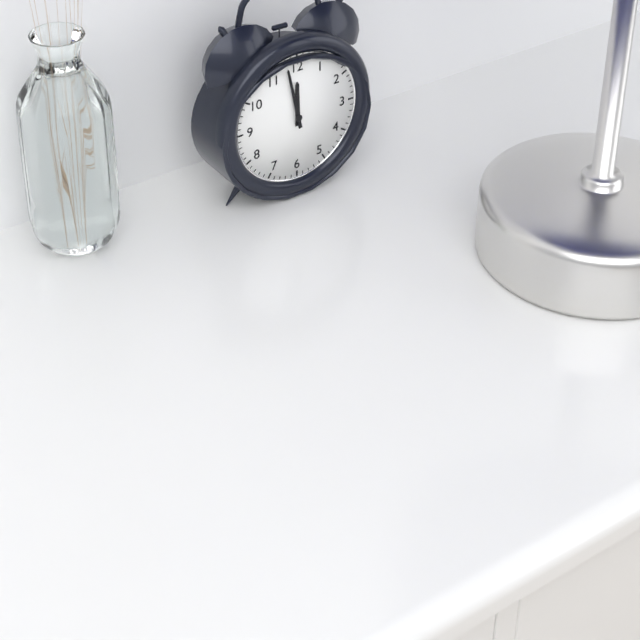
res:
11.58
